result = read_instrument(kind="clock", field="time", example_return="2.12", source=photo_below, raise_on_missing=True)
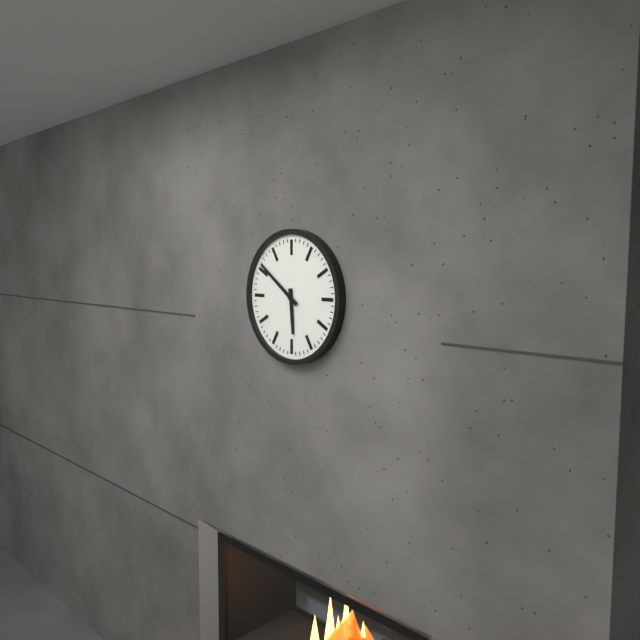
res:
5.51
